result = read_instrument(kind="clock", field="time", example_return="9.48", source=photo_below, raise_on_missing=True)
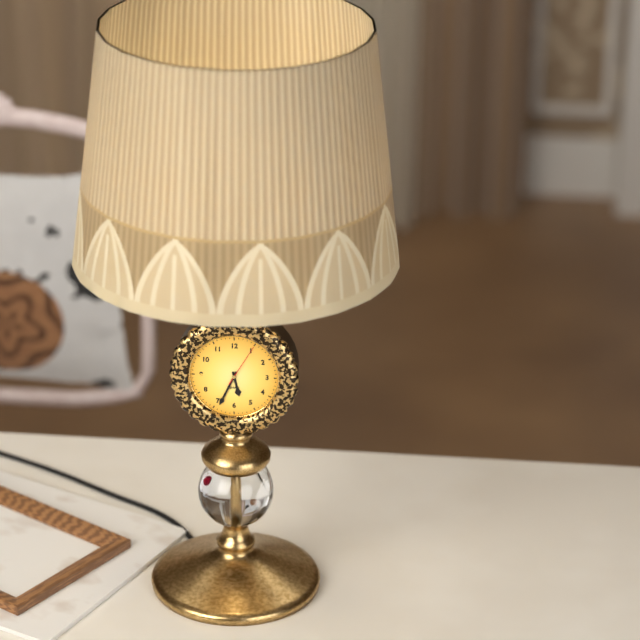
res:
5.34
